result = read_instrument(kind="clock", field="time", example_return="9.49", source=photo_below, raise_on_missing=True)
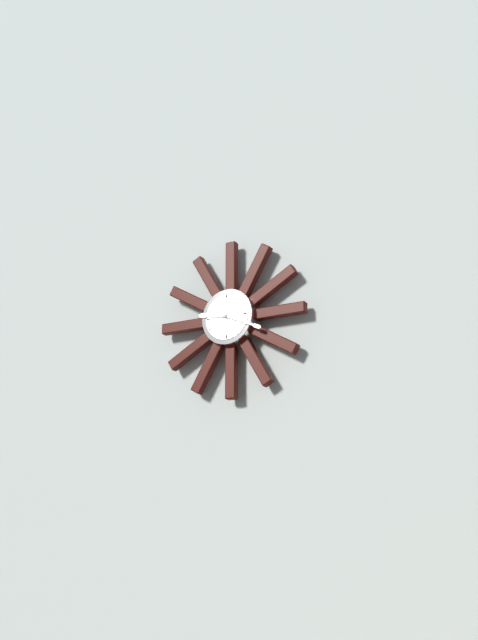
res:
9.19
